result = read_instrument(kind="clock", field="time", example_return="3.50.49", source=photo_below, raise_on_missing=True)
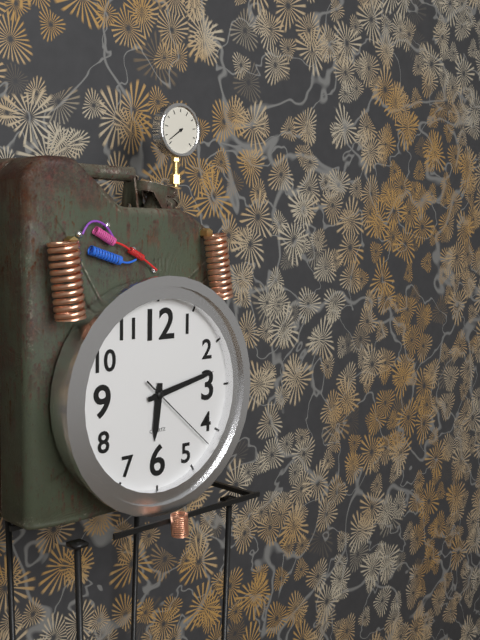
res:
6.13.22
